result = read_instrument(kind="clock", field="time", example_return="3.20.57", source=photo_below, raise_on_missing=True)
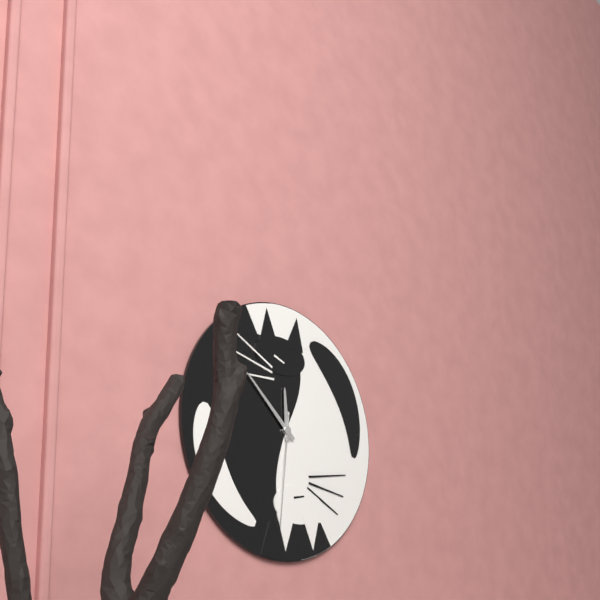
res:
11.52.31
